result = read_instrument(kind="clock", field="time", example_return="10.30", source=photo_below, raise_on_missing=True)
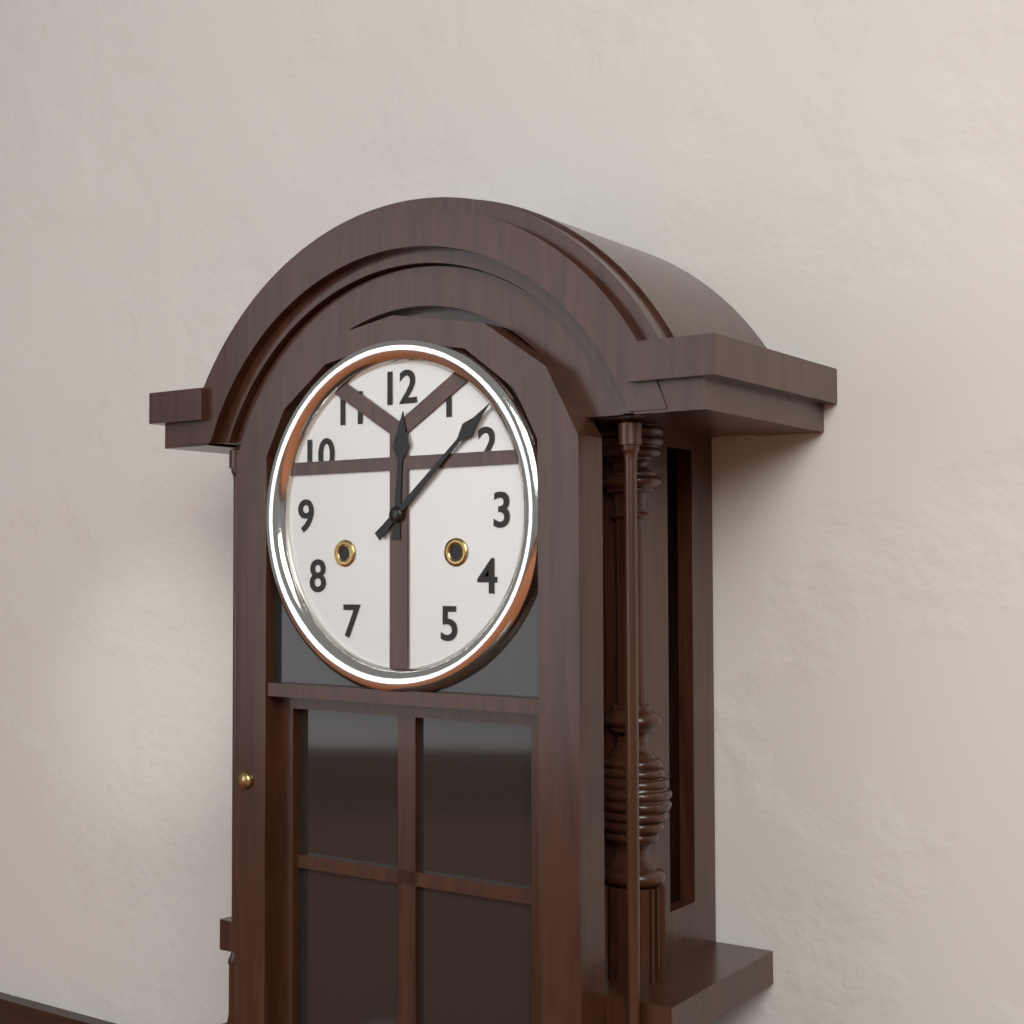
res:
12.08
